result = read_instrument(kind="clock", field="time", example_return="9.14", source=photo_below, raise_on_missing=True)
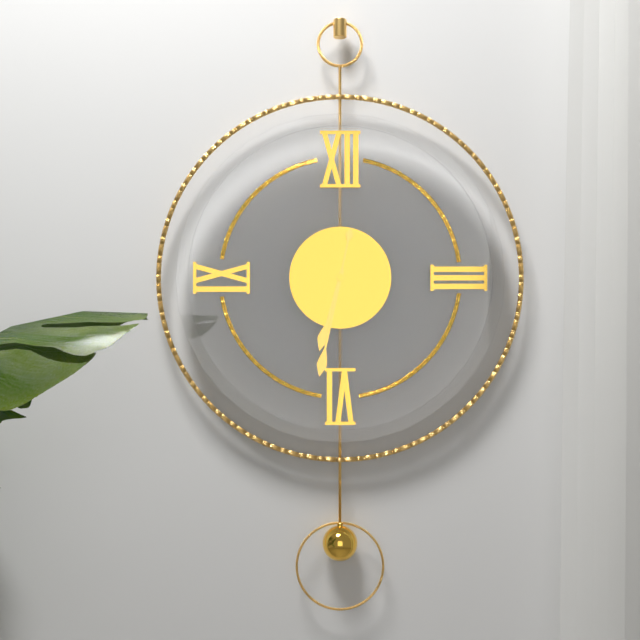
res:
6.32
